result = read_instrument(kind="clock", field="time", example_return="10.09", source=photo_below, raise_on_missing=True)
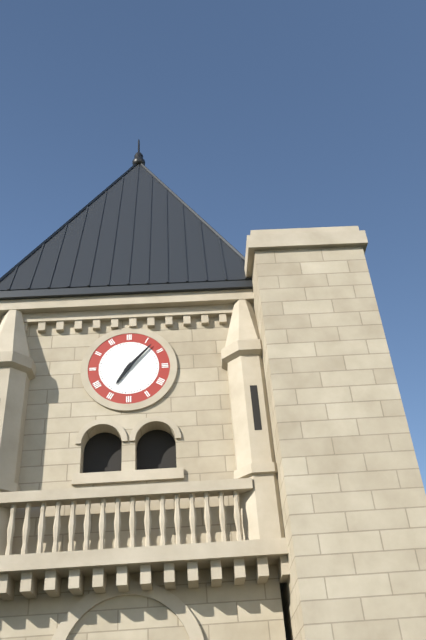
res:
7.07
